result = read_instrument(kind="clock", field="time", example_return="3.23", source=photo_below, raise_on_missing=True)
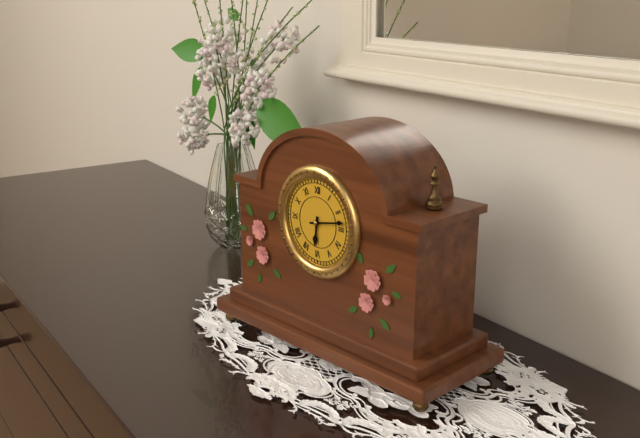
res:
6.13
